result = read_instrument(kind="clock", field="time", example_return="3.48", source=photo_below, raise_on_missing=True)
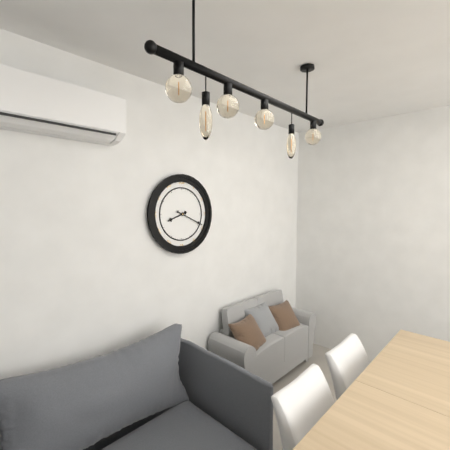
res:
8.19
